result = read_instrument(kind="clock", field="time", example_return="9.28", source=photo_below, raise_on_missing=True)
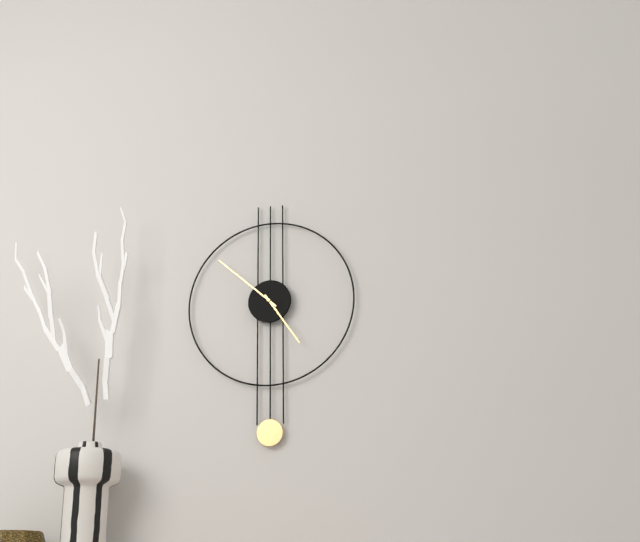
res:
4.52
